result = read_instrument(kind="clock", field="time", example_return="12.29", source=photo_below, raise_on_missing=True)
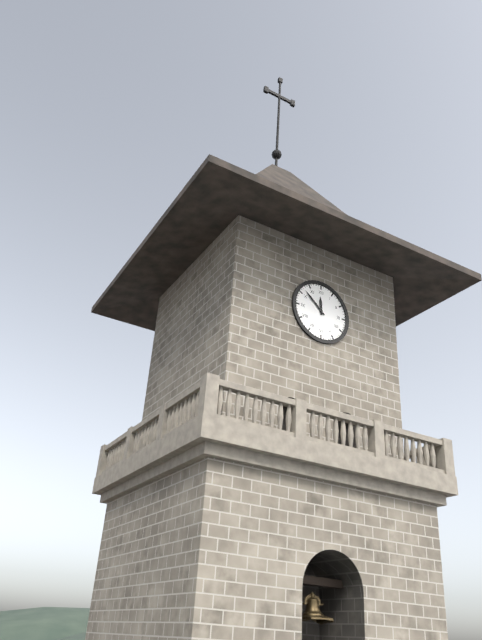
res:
11.52
